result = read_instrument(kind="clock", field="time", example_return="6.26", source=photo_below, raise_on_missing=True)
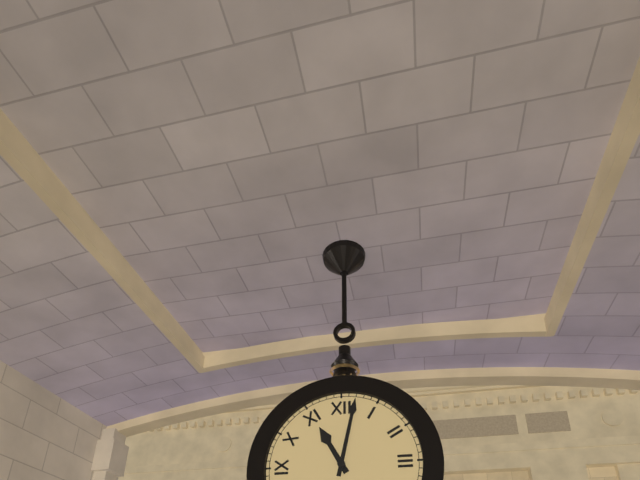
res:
11.02
